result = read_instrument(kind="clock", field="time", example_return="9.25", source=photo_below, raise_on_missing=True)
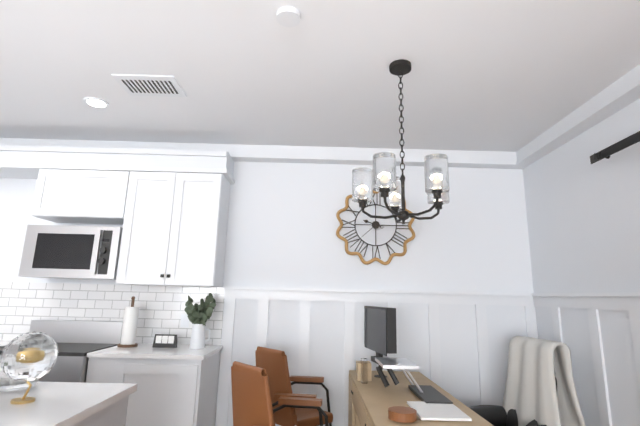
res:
9.38
